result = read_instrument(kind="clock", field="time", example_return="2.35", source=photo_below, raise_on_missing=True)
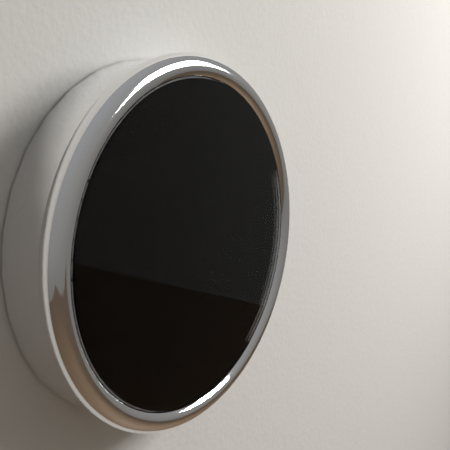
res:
11.22
